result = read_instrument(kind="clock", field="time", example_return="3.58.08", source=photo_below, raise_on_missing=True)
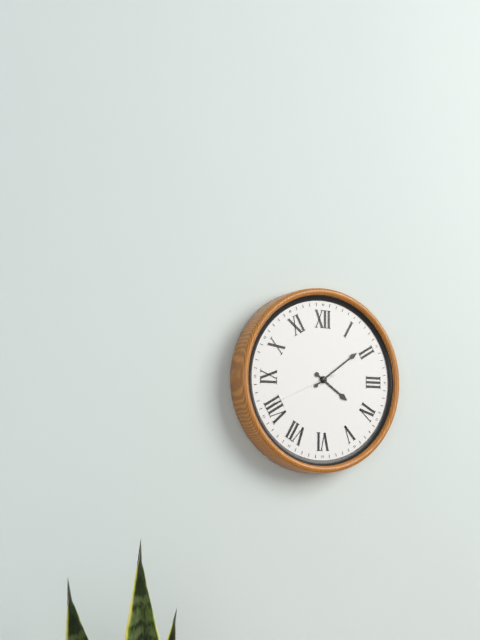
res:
4.09.41
